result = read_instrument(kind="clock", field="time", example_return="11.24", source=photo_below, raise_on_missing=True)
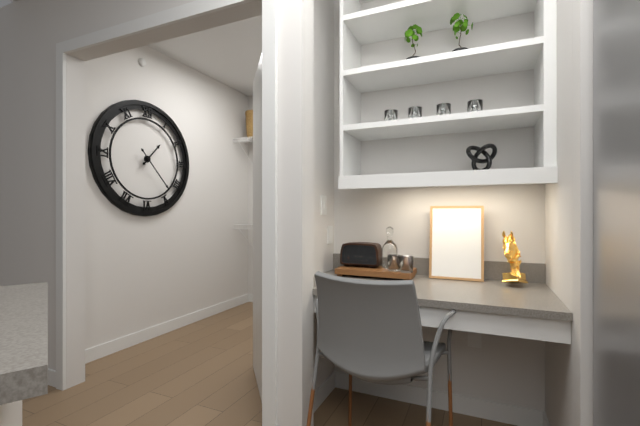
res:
1.23
